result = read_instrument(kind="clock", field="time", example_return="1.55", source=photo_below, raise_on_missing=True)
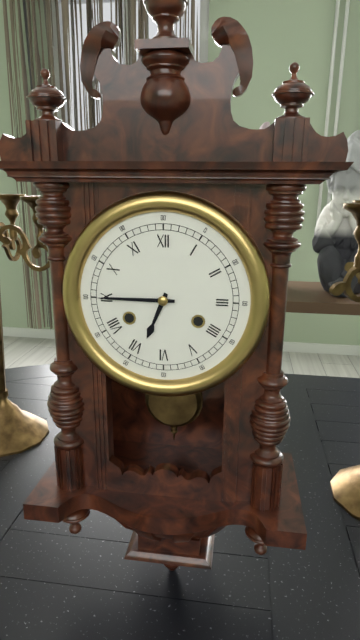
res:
6.45
